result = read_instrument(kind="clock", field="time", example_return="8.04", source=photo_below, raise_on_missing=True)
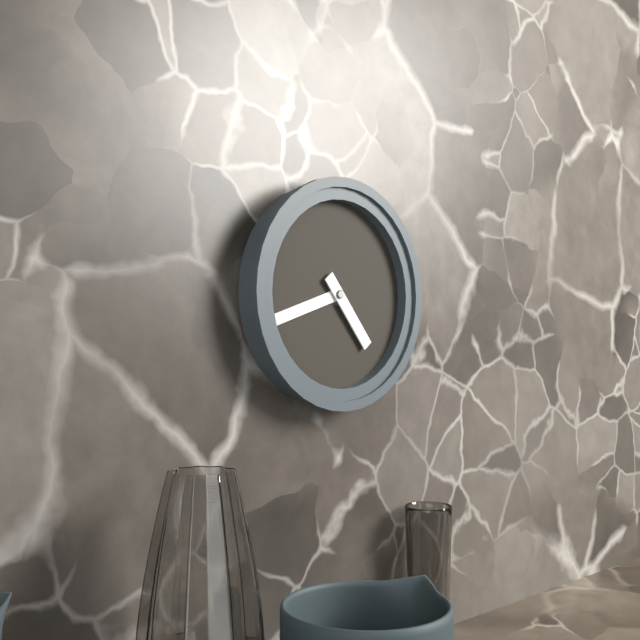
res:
4.42
